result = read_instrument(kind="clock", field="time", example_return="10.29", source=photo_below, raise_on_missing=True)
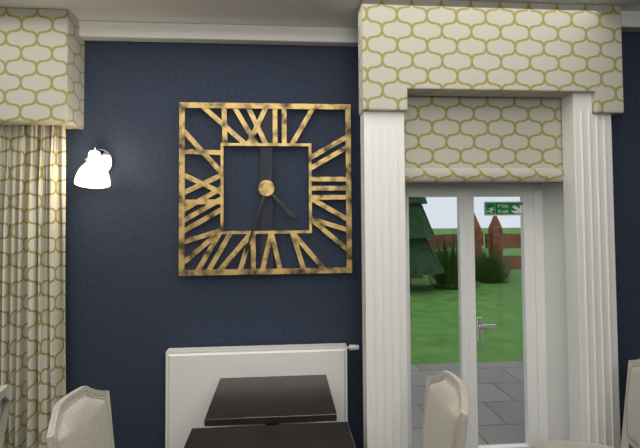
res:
4.33
